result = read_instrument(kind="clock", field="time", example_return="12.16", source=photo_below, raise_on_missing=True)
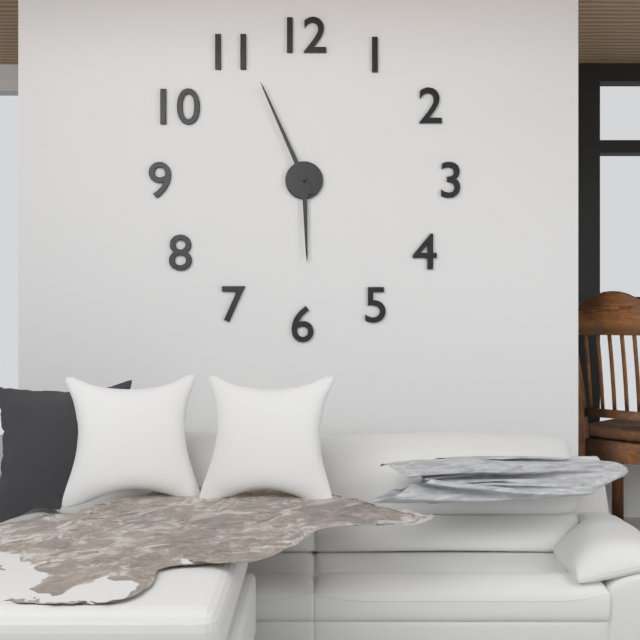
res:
5.56
